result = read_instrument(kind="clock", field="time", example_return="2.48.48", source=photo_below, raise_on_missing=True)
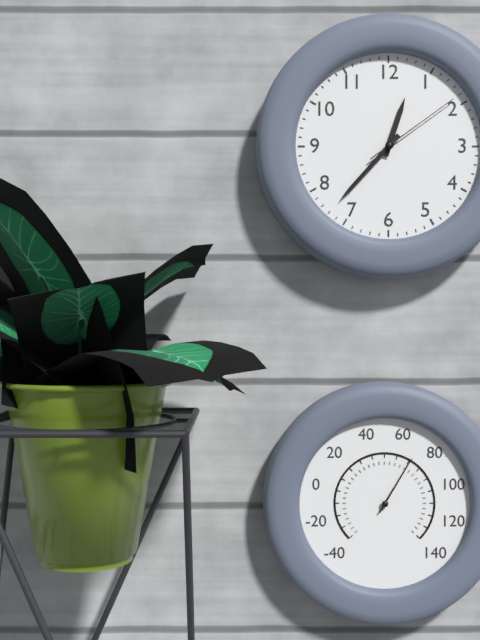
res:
12.37.09
